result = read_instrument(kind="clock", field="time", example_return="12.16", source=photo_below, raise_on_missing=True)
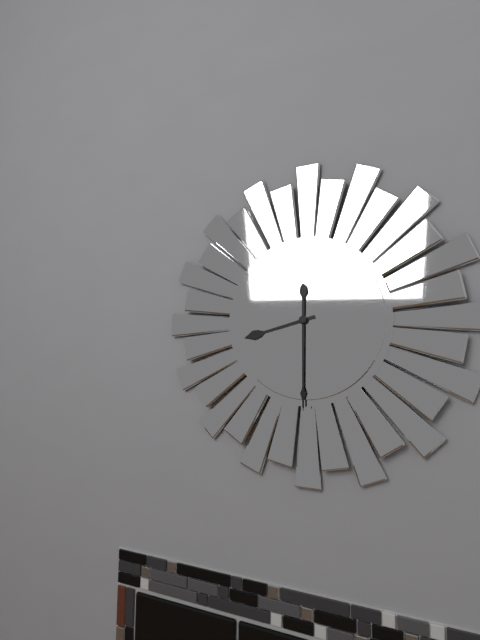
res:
8.30
